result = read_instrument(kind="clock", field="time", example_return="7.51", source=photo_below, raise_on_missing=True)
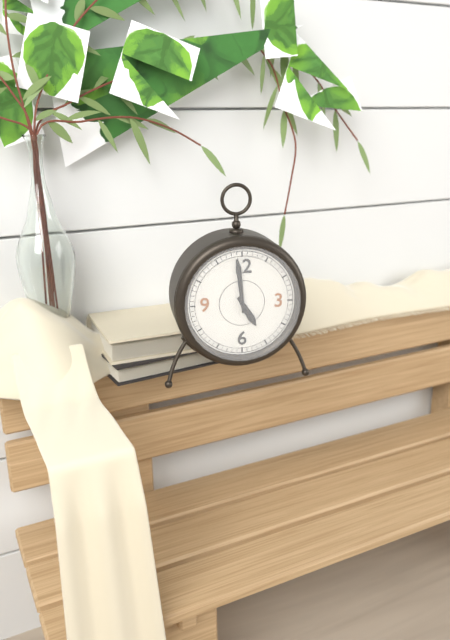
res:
4.59
